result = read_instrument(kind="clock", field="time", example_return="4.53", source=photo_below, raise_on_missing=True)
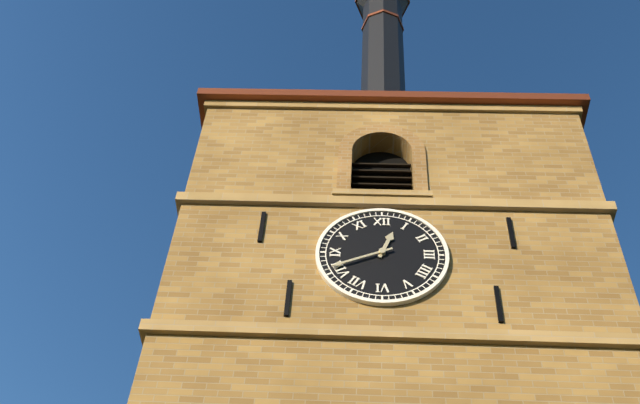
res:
12.41
